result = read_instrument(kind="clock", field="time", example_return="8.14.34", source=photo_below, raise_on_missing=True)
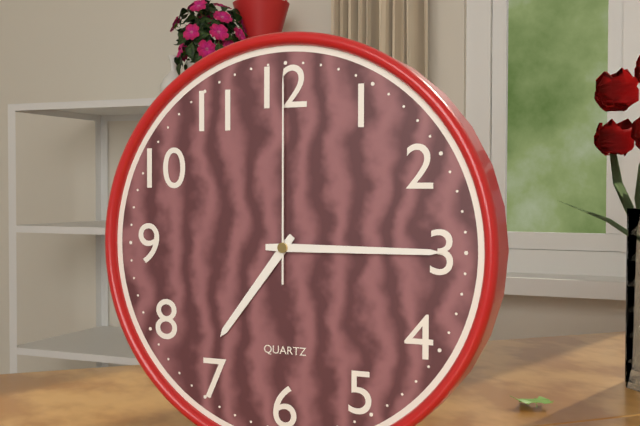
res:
7.15.00
